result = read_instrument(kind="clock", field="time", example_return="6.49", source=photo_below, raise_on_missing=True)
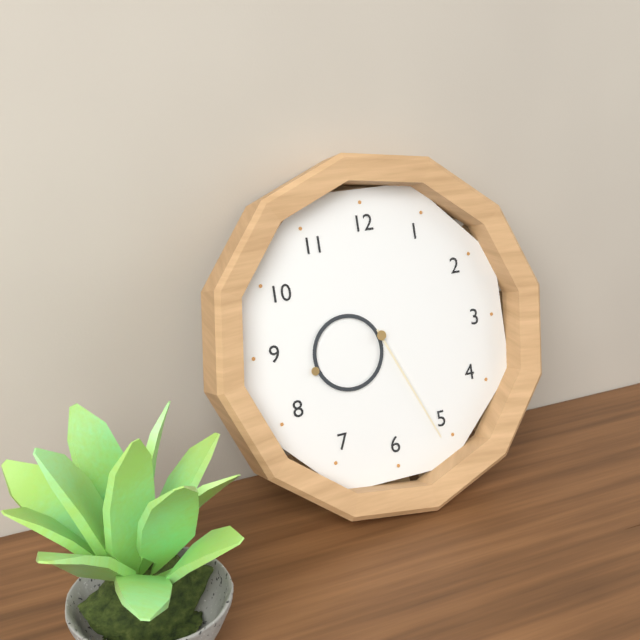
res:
8.26
